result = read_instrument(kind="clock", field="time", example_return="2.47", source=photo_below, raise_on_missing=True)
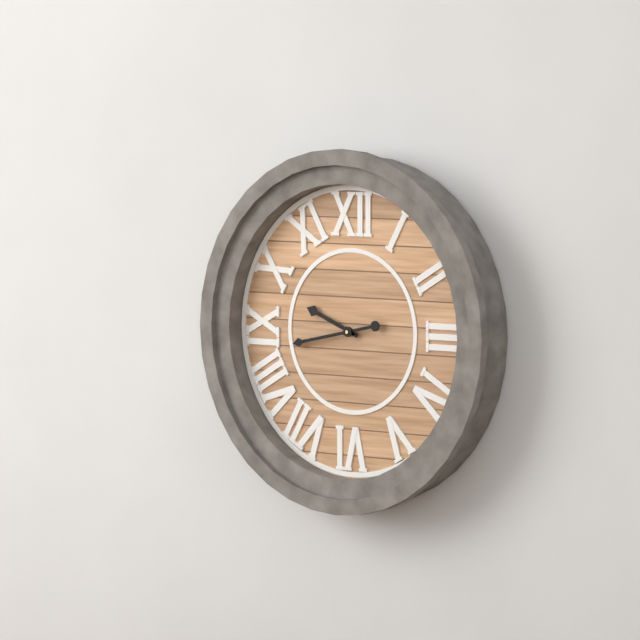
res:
9.43
